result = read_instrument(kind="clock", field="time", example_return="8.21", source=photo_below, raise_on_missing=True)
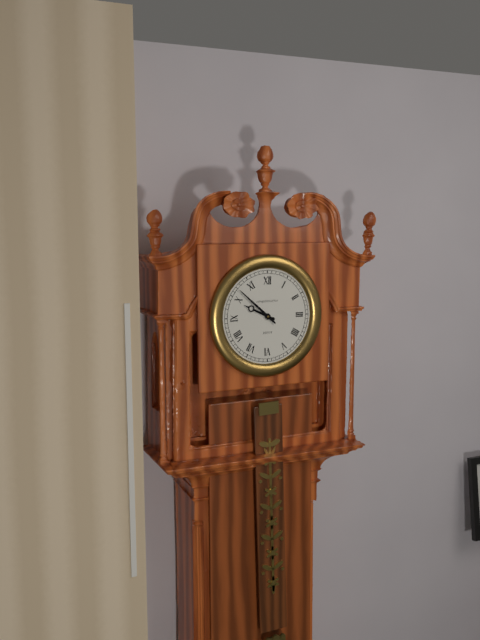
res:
9.52
